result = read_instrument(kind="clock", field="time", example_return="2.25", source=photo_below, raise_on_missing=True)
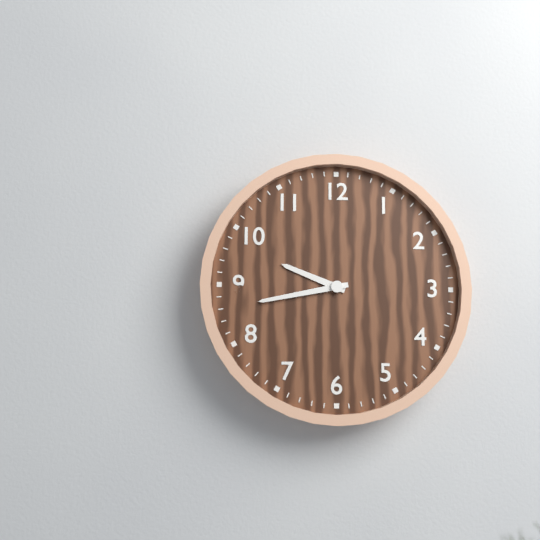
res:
9.43
